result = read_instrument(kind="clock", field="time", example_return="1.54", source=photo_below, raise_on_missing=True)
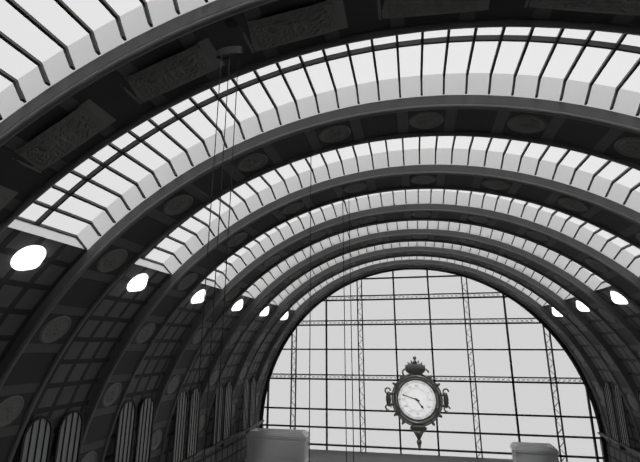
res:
4.48
